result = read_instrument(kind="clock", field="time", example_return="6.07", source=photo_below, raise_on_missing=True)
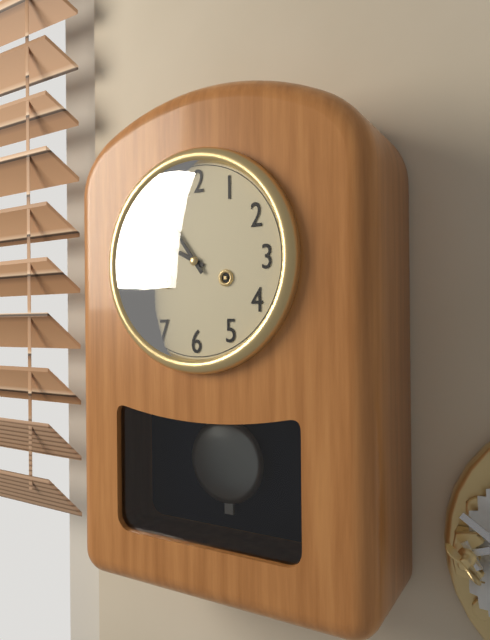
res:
9.54
